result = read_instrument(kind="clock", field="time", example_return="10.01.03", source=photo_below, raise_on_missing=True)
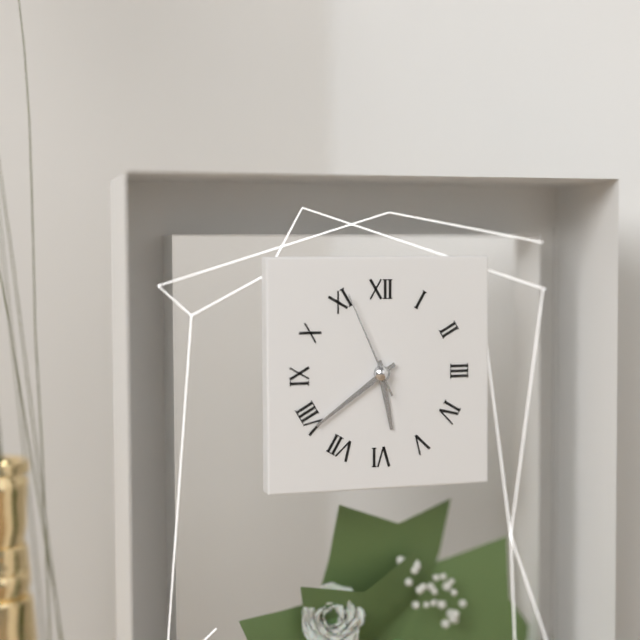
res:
5.39.56
